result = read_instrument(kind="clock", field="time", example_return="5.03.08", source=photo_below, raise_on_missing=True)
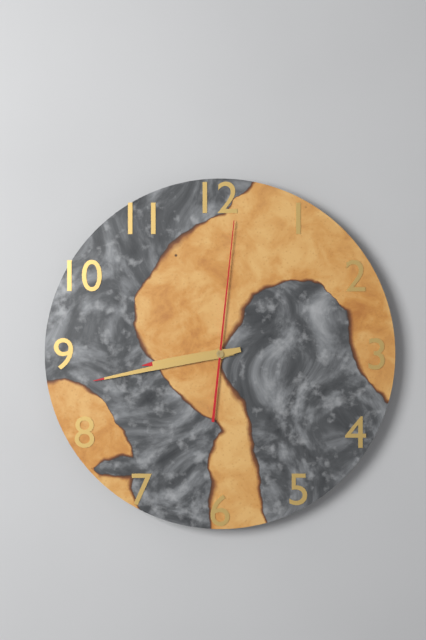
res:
8.43.01
